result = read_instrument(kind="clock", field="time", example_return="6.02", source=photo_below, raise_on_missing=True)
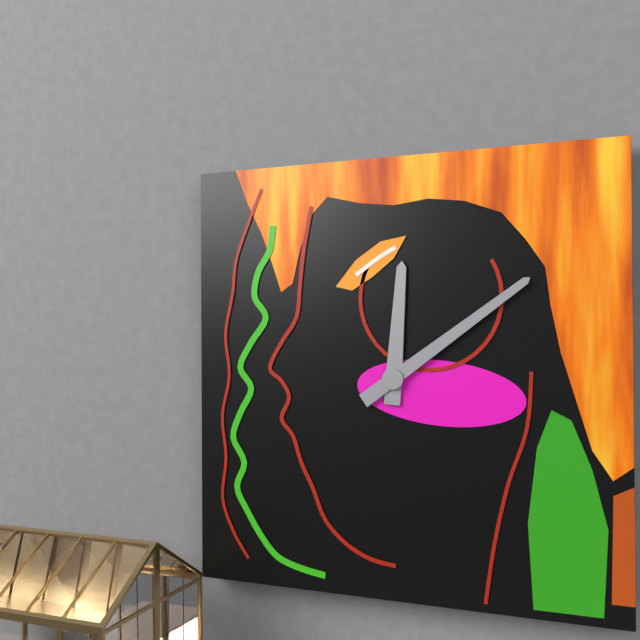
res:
12.09
